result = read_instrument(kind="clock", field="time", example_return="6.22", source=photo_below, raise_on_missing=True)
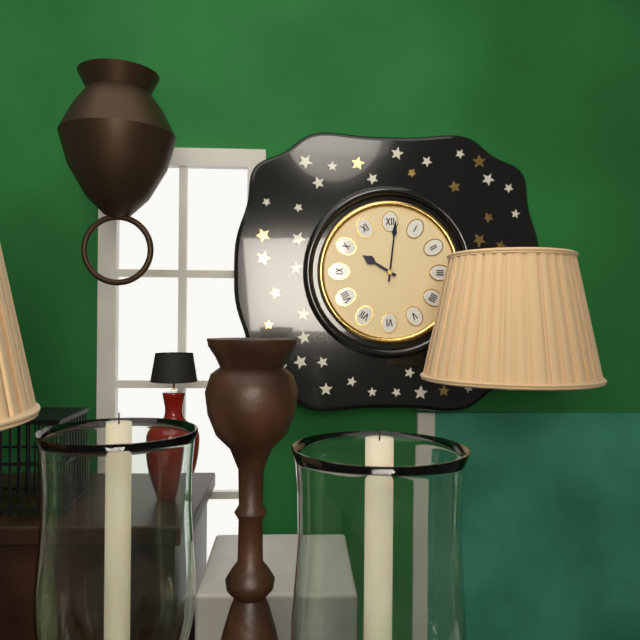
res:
10.01
